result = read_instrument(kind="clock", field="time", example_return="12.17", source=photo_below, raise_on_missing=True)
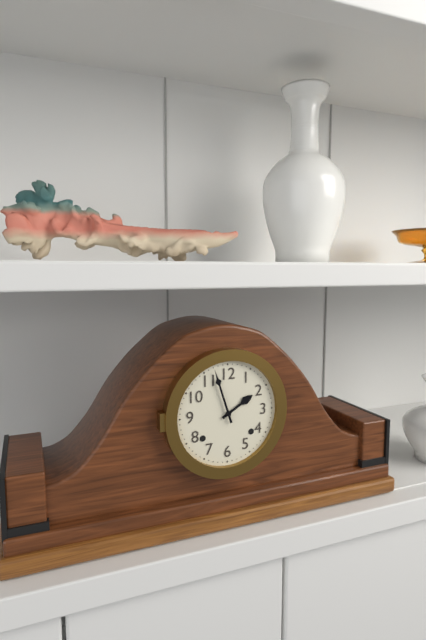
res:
1.57
